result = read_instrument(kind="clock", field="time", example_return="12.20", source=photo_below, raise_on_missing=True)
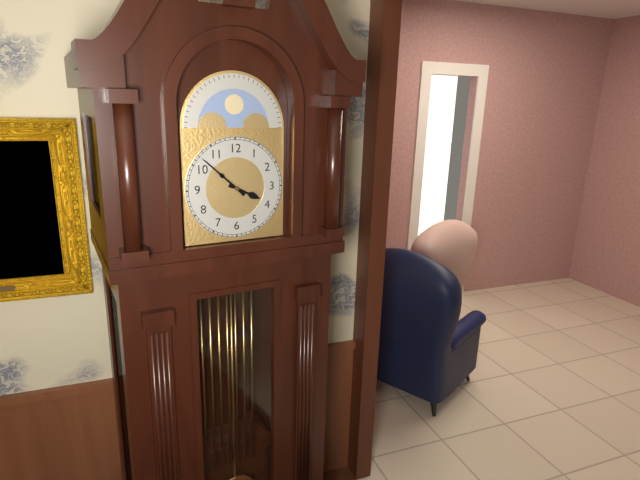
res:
3.52
